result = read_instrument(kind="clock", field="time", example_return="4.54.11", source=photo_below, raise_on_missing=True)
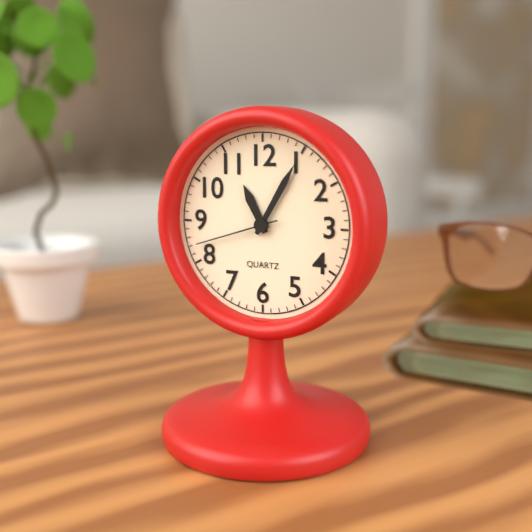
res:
11.05.42
